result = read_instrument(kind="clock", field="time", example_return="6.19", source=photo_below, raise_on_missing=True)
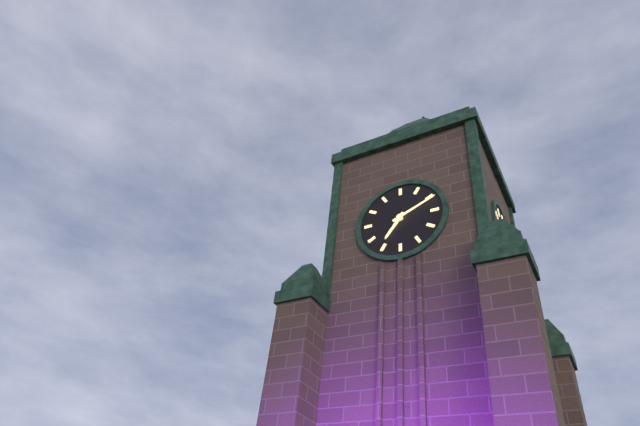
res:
7.11
